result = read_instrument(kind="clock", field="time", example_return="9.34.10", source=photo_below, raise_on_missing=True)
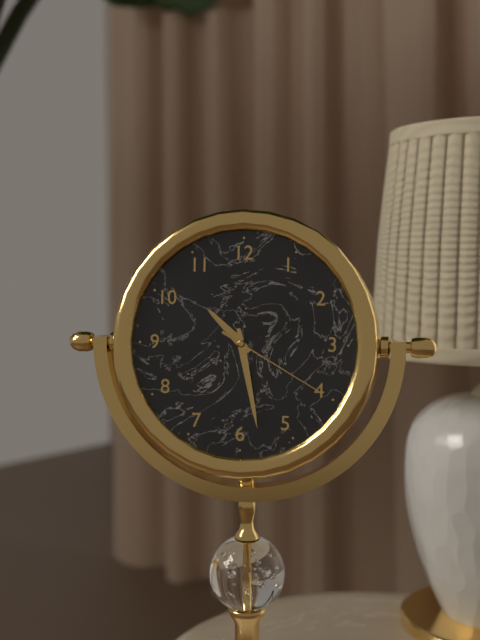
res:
10.28.20
